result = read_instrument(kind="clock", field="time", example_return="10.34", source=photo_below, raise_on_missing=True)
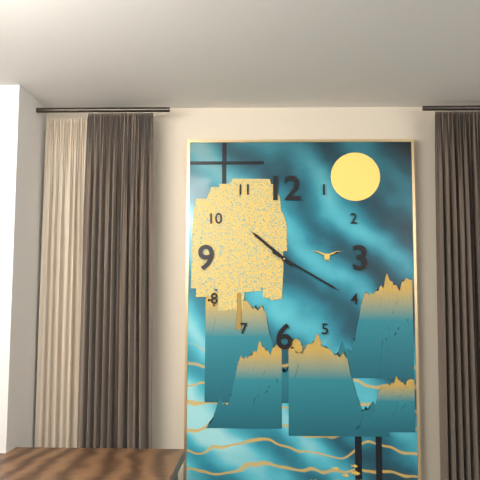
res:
10.20
